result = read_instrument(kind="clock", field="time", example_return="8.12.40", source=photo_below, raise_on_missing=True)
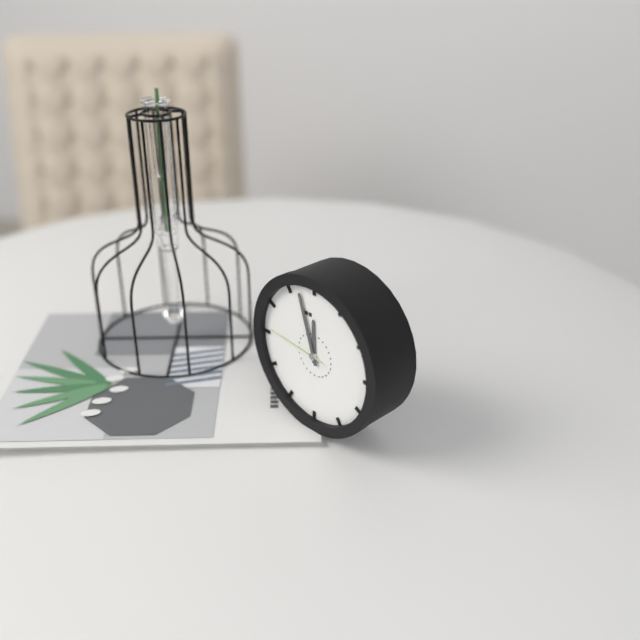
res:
11.57.46
